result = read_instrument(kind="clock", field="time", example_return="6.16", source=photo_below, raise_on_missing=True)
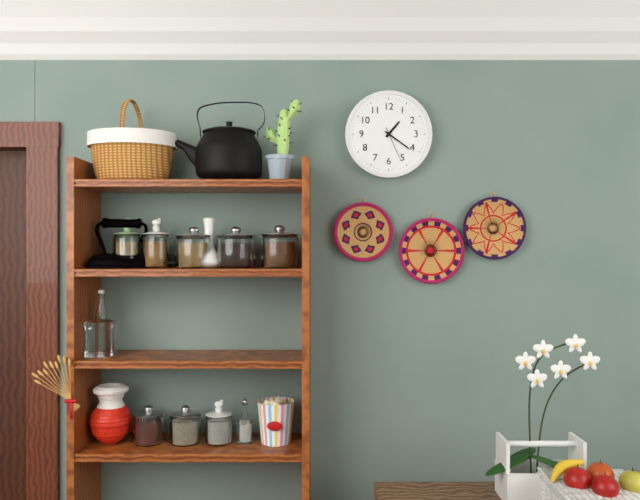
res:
1.21
